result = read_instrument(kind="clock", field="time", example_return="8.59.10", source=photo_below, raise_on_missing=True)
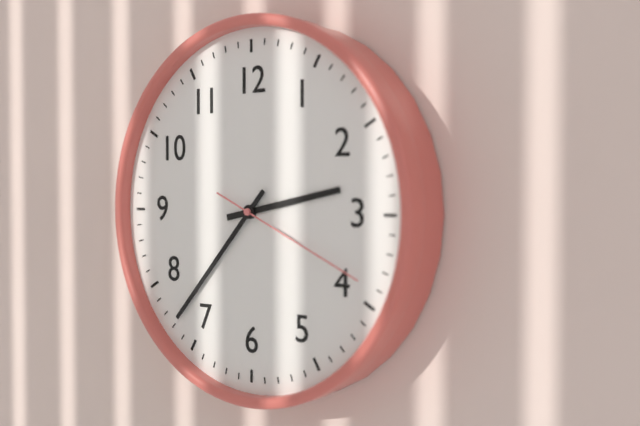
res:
2.37.19
